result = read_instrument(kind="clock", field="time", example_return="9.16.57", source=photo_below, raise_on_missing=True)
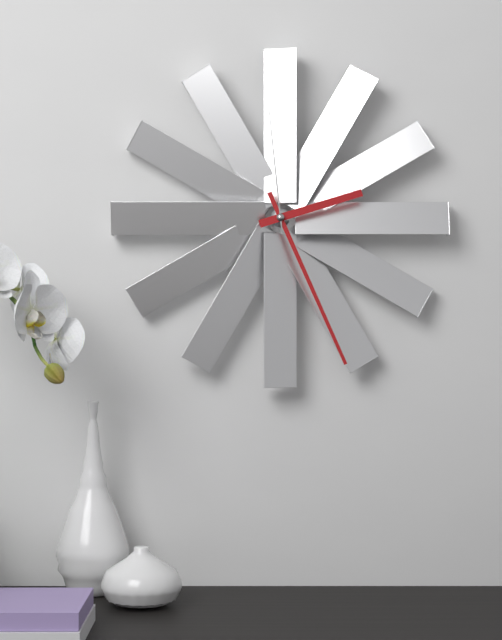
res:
2.26.59
